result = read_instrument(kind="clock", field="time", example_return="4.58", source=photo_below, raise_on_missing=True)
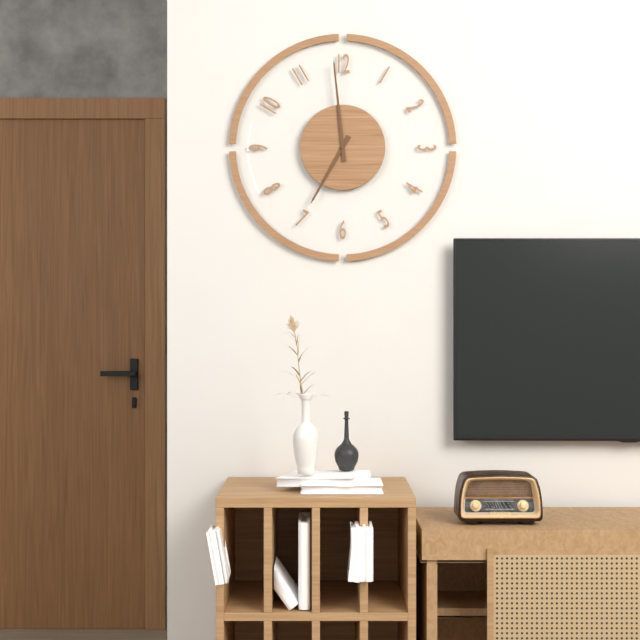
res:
6.59
